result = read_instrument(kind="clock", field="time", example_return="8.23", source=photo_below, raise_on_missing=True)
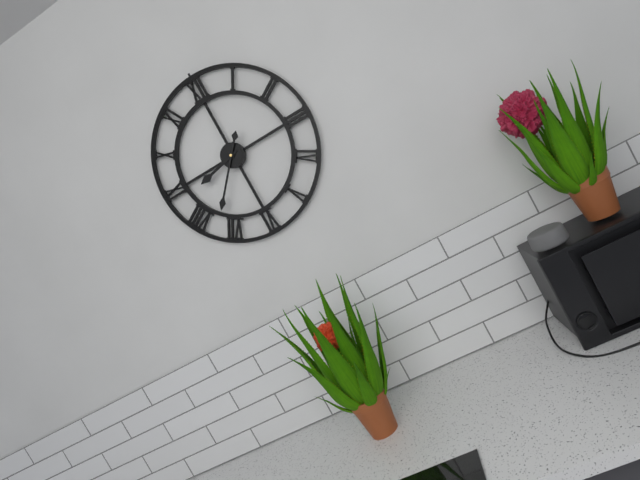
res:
8.37
